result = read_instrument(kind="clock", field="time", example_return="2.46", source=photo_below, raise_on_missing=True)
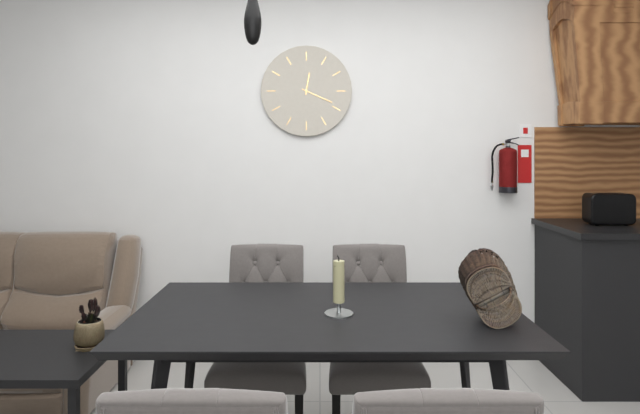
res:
12.19
